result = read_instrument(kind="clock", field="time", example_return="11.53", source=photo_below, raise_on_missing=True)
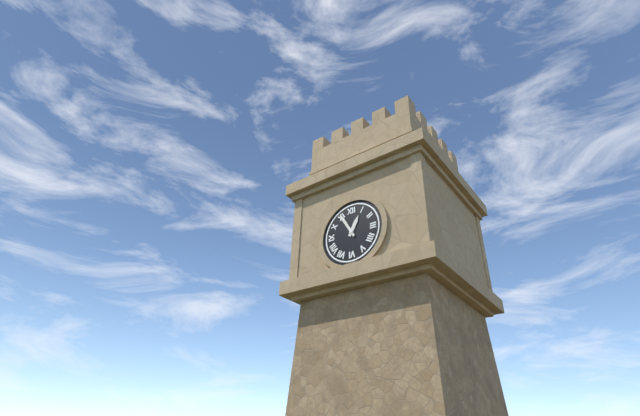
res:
12.55
